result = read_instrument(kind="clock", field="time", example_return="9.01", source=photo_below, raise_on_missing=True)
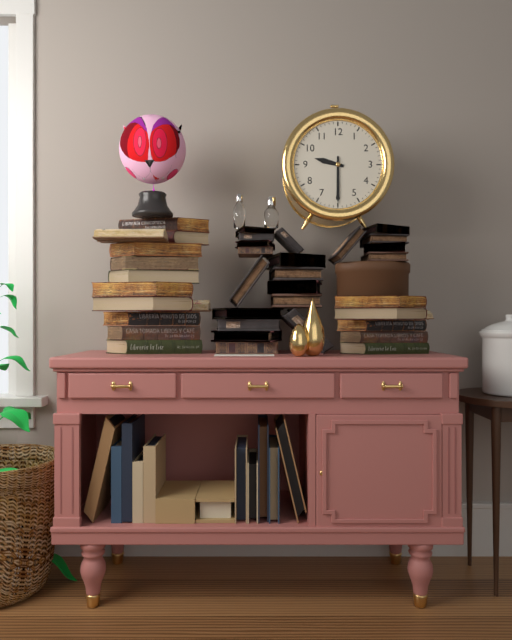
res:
9.30
